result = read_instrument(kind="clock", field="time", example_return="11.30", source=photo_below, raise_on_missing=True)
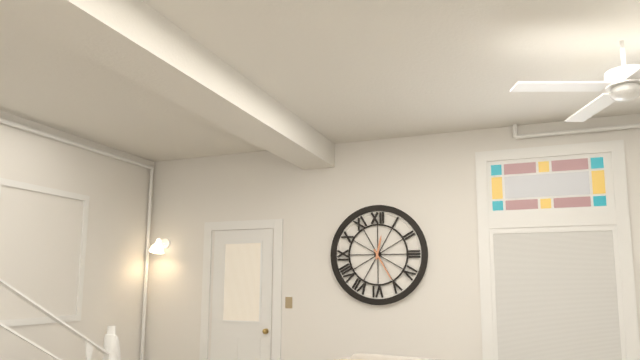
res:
12.25
